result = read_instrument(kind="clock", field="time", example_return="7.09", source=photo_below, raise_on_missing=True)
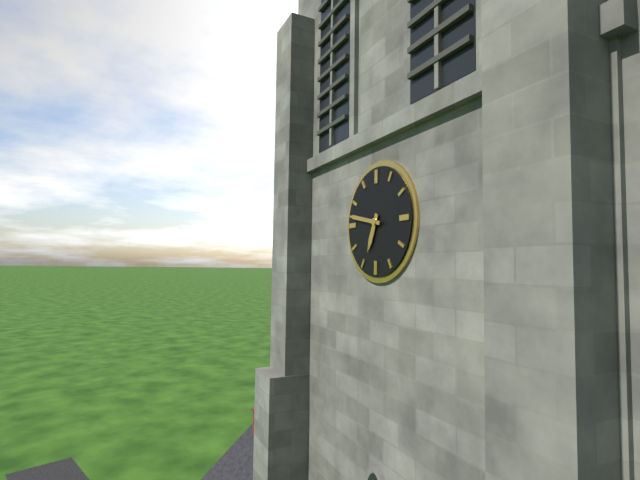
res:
6.47
